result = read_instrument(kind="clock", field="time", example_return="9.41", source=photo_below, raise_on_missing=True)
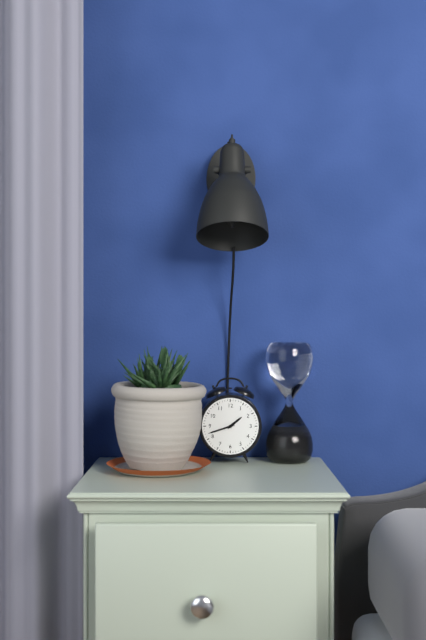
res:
1.42
